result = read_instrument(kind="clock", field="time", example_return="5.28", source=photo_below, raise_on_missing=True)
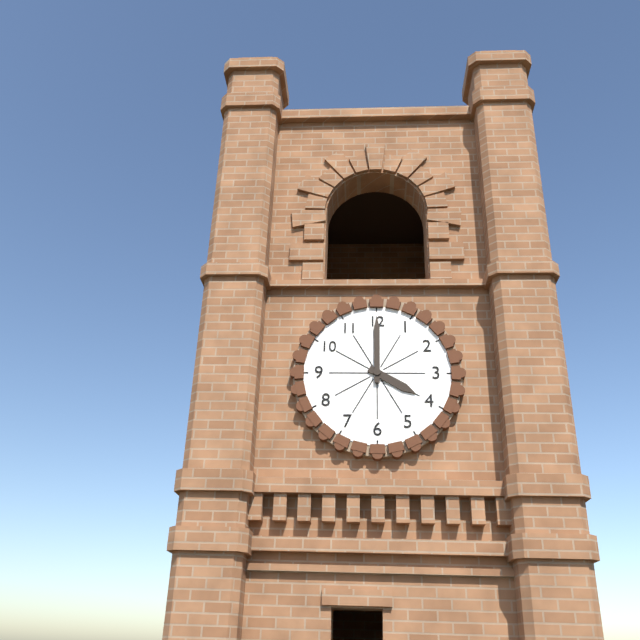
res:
4.00
